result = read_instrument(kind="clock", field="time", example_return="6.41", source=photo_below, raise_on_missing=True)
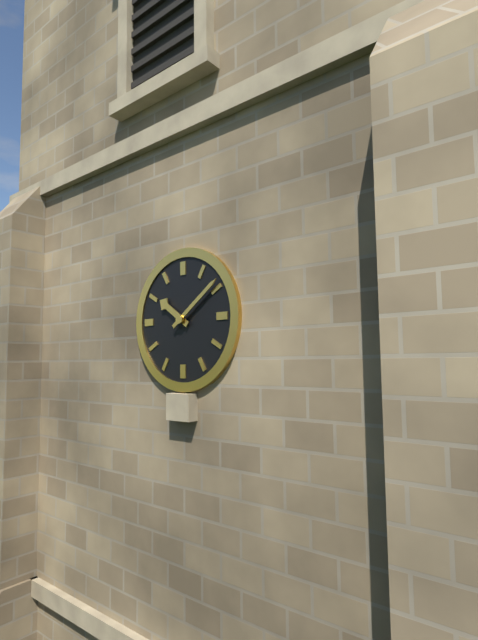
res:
10.09
